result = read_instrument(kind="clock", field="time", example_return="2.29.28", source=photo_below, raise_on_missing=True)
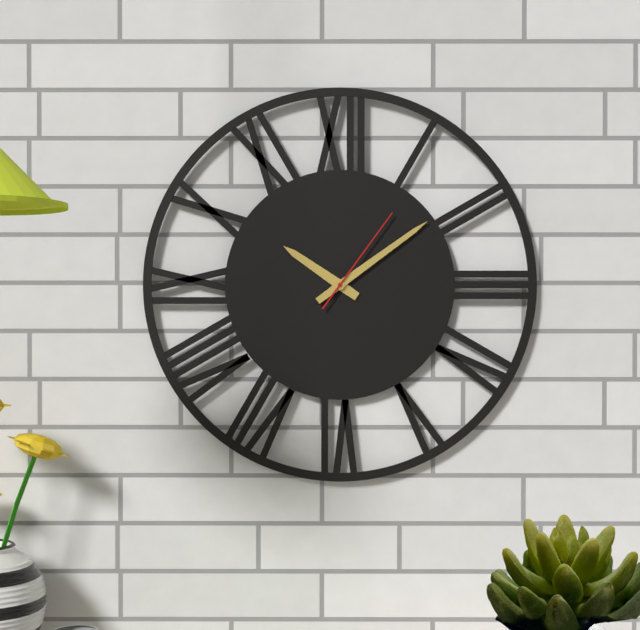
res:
10.09.06
